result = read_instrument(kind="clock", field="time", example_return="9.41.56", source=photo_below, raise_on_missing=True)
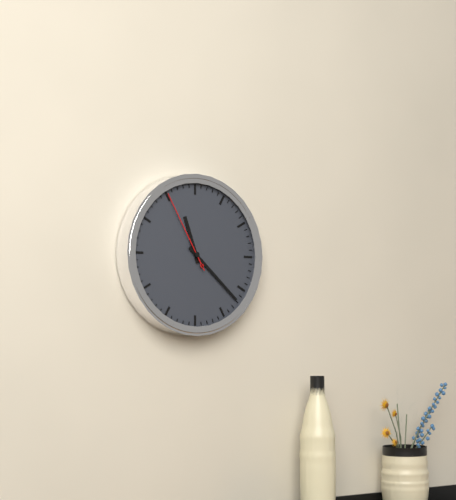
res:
11.22.55
